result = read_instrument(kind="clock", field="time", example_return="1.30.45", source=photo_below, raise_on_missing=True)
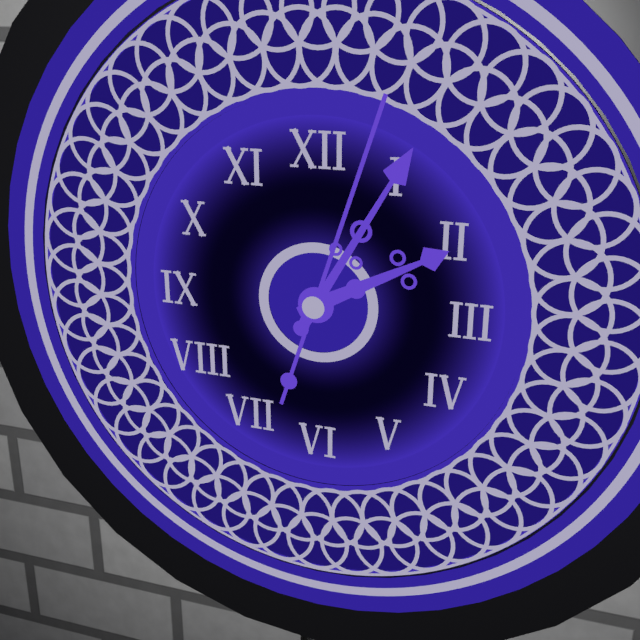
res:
2.05.03
